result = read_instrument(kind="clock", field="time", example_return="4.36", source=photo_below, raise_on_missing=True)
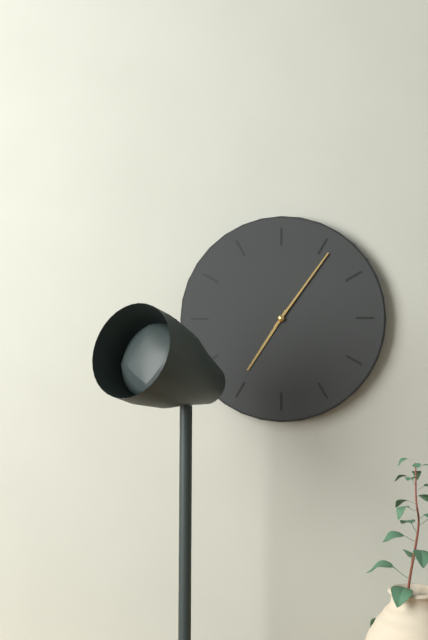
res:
7.06
